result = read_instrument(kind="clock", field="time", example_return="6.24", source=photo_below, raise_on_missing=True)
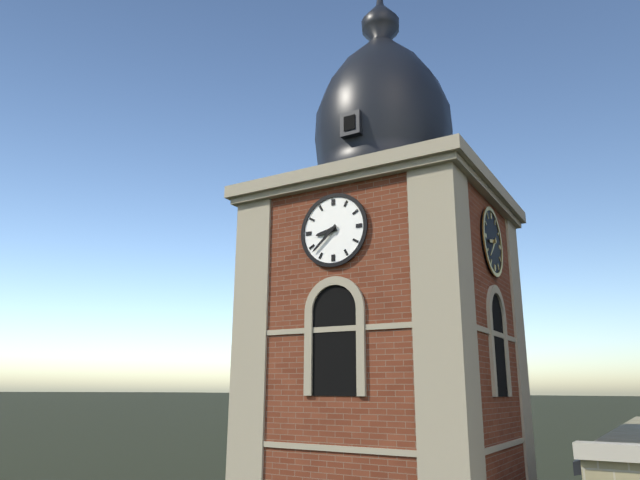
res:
8.38
